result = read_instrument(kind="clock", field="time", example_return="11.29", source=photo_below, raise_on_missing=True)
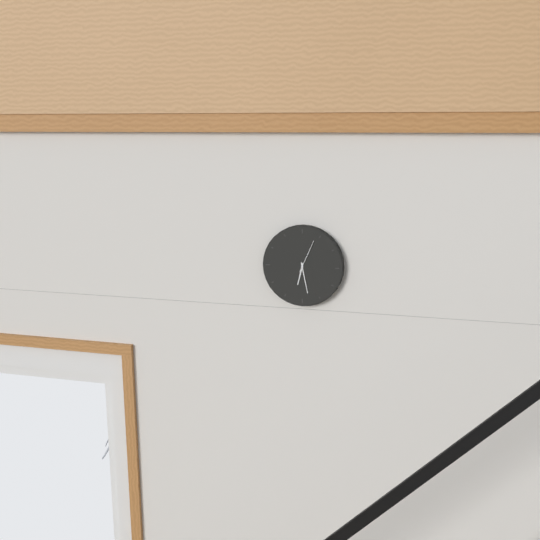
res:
6.28
